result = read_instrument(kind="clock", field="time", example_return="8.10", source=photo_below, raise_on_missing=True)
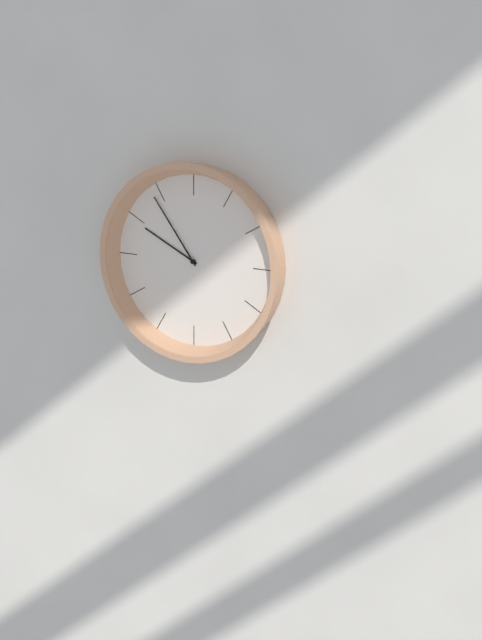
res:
9.54
